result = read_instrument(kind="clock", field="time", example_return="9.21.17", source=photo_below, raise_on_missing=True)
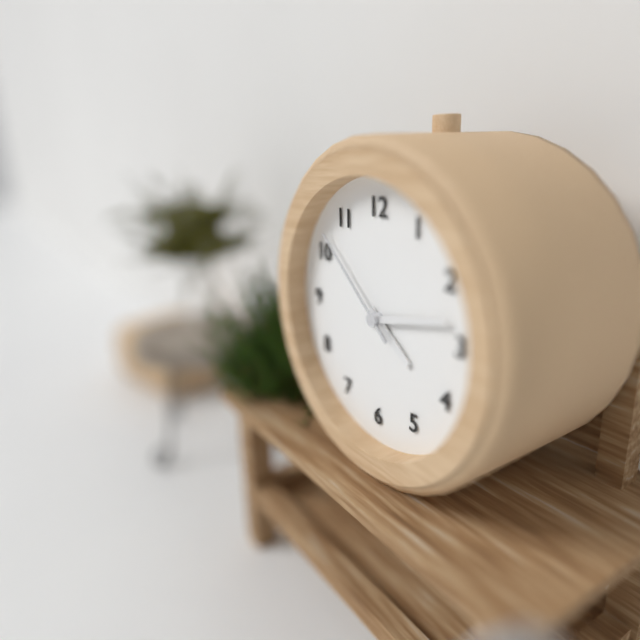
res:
4.13.52
